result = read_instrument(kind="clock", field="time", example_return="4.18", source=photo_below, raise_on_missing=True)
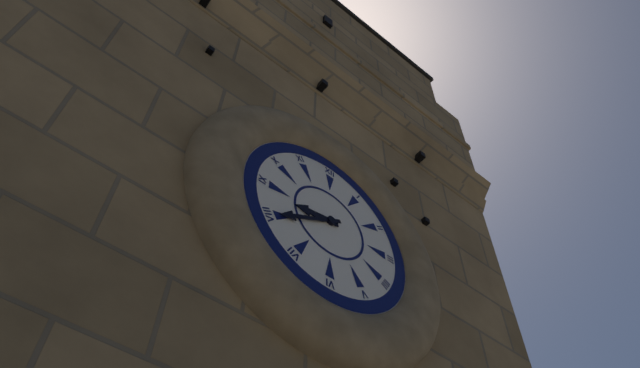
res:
8.40
